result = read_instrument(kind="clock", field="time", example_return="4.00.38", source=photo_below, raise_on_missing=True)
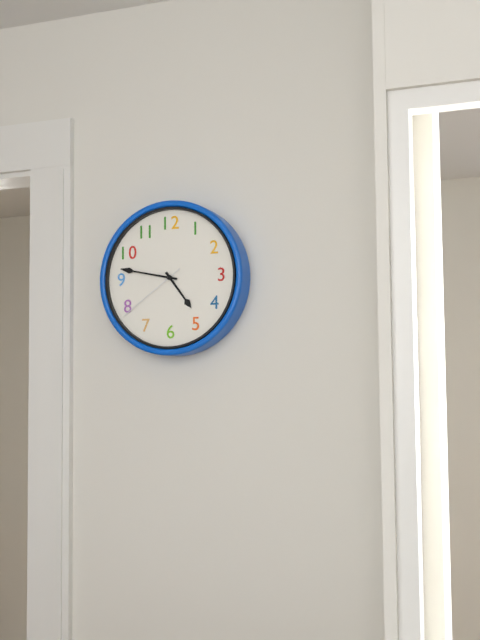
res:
4.47.39
